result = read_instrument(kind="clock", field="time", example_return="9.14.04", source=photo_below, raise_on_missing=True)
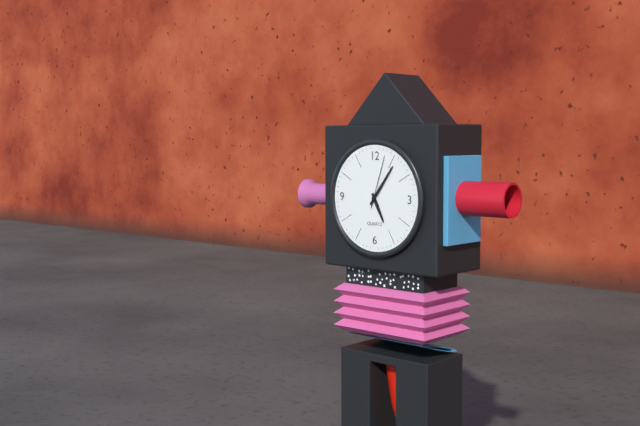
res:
5.06.03
